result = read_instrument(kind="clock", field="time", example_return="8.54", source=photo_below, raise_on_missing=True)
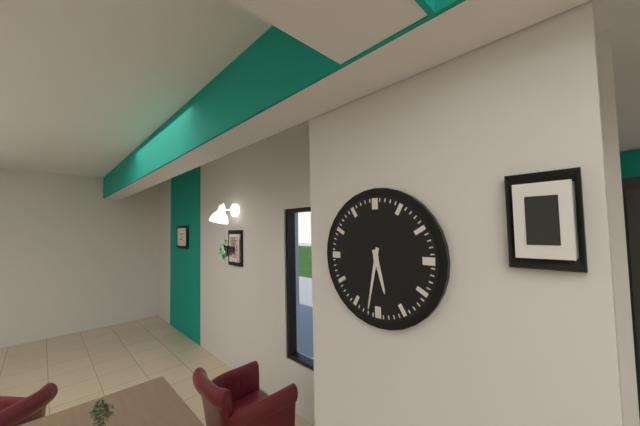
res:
5.32
